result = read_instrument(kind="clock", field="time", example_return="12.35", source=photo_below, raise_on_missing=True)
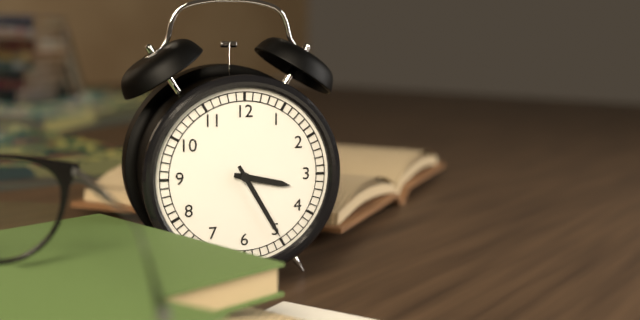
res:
3.25
